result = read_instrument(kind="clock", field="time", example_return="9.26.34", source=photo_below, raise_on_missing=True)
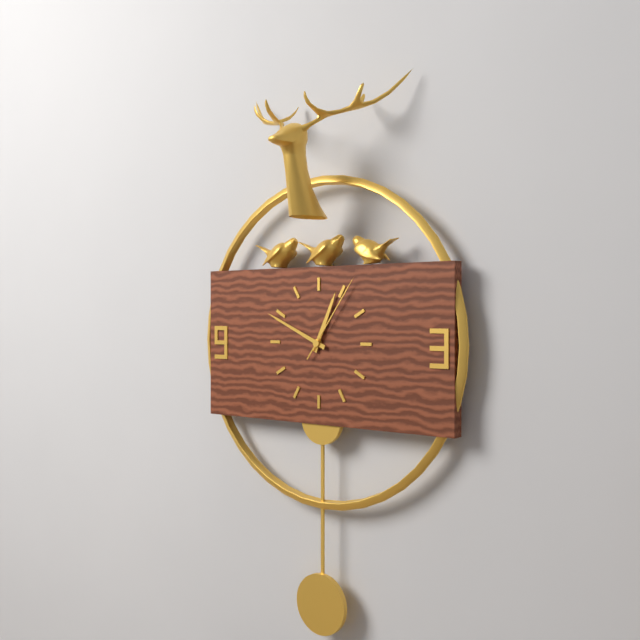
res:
12.49.06
